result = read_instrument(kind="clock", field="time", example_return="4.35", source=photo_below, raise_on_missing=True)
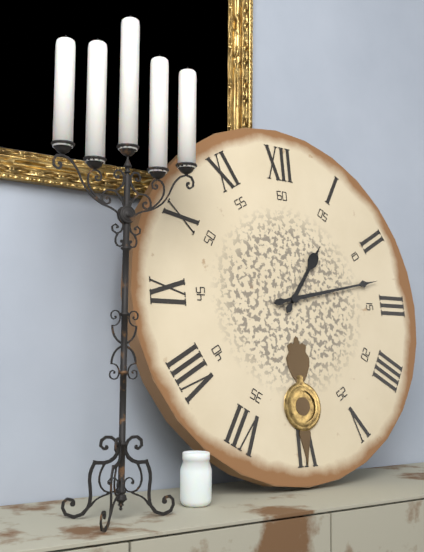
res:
1.13
